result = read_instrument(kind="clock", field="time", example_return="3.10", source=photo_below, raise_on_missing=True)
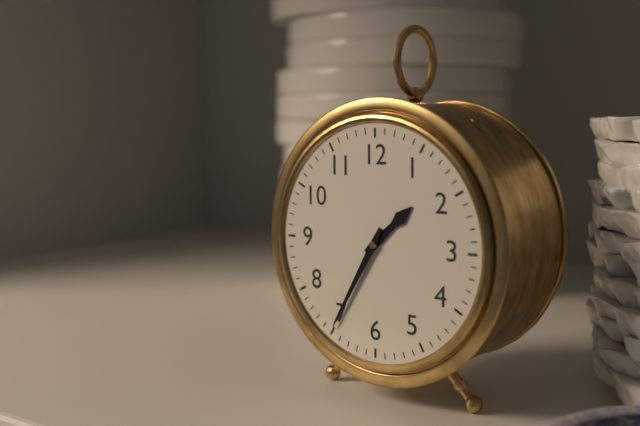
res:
1.35
